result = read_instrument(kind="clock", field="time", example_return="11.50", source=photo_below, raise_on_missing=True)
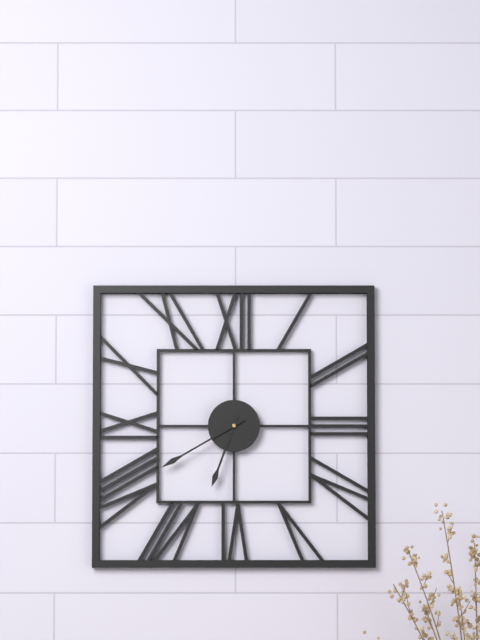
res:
6.40
